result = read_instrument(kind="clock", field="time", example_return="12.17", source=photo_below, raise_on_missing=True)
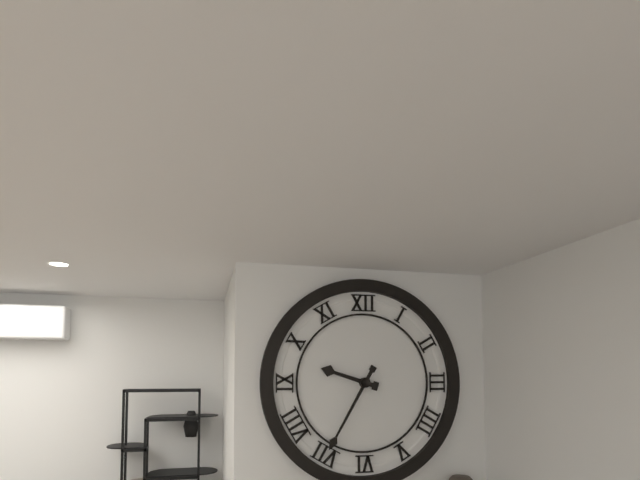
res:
9.35
